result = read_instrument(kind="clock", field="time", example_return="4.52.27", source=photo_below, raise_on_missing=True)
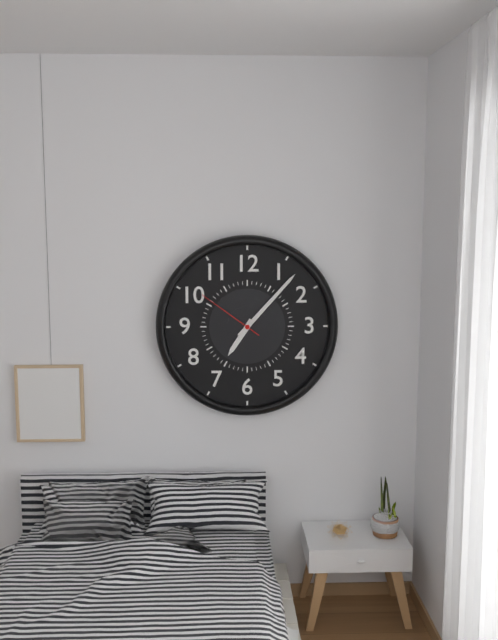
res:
7.07.51
